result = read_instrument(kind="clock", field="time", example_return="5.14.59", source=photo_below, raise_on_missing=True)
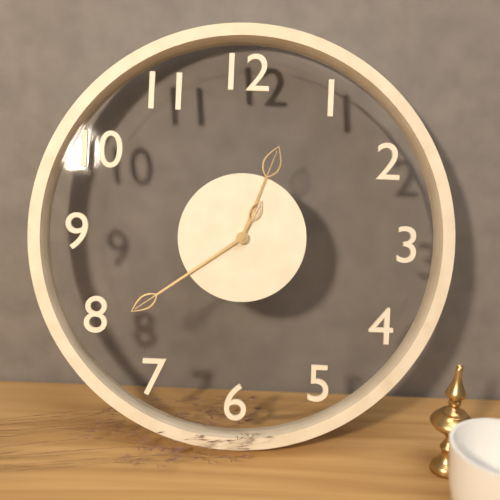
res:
12.39.04
